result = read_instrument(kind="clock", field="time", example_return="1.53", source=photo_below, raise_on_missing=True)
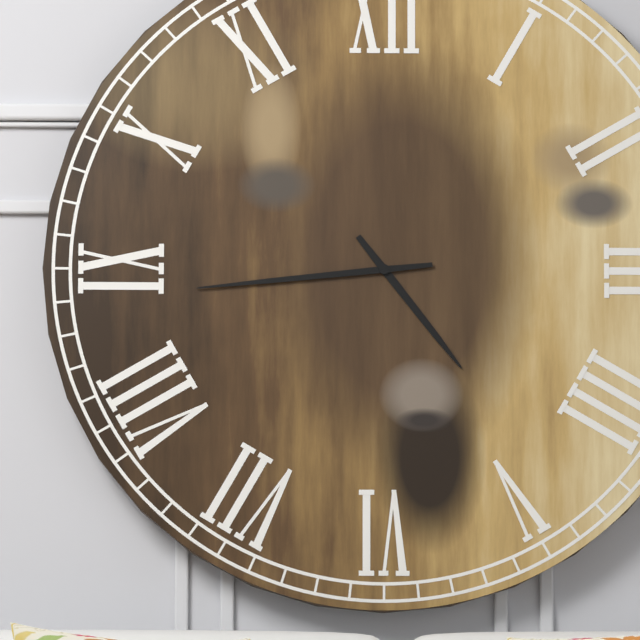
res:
4.44
